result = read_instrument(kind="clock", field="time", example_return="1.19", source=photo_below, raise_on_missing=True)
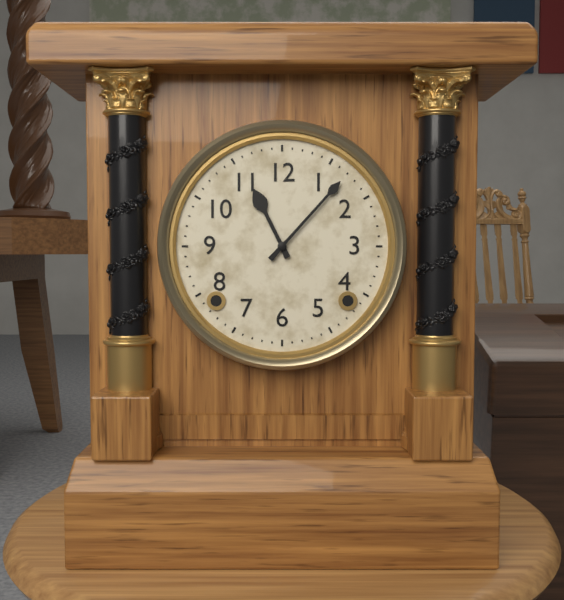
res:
11.07
